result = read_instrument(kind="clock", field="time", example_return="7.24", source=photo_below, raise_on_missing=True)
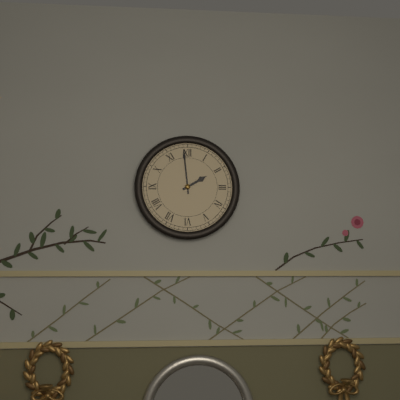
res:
1.59
